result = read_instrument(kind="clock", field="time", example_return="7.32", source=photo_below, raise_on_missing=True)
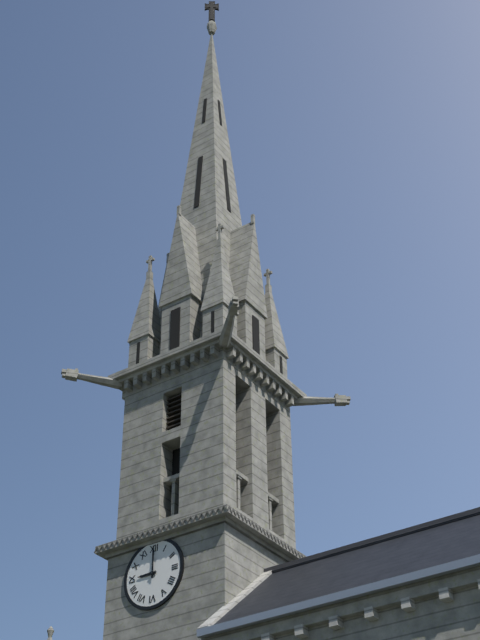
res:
9.00
